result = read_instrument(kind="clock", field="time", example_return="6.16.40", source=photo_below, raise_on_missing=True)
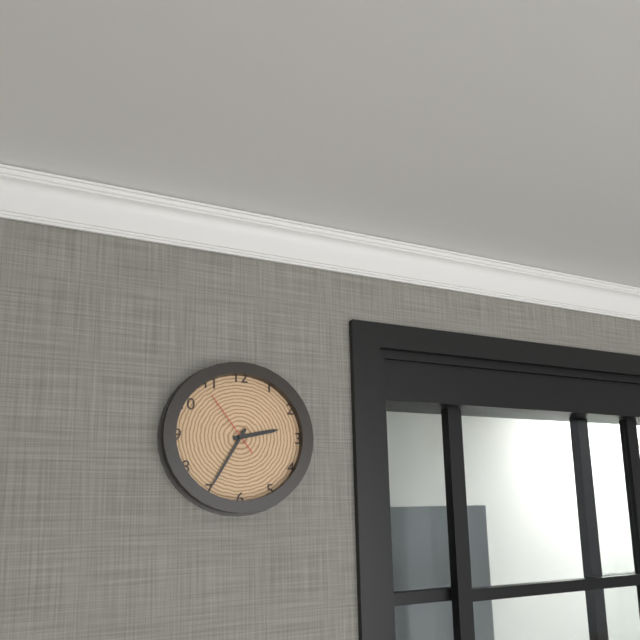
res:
2.35.54
